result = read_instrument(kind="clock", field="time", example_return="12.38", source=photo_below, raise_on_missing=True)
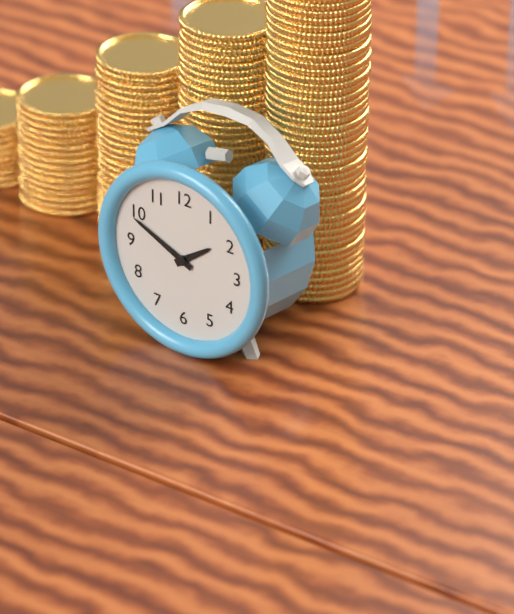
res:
1.49
